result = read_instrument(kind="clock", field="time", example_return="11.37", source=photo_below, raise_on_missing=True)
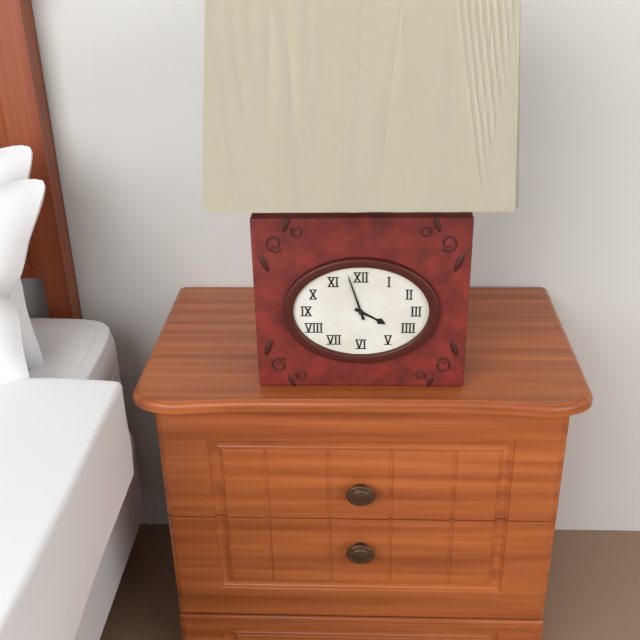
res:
3.57
